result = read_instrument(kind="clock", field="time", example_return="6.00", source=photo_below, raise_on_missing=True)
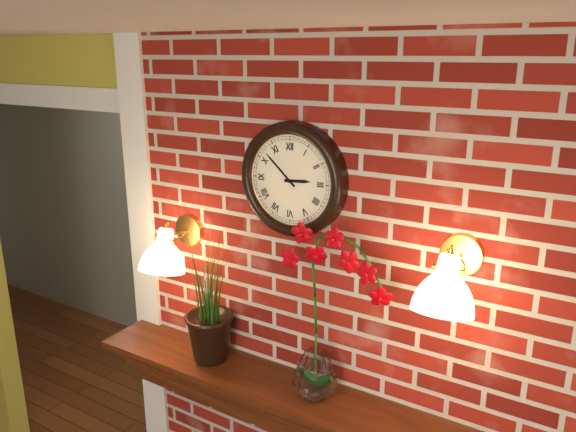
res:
2.52
